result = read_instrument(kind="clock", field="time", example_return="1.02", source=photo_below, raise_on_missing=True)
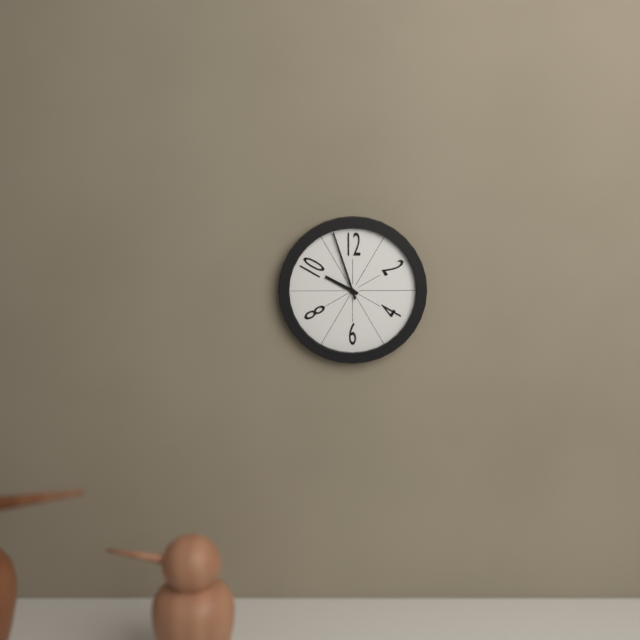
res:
9.57
